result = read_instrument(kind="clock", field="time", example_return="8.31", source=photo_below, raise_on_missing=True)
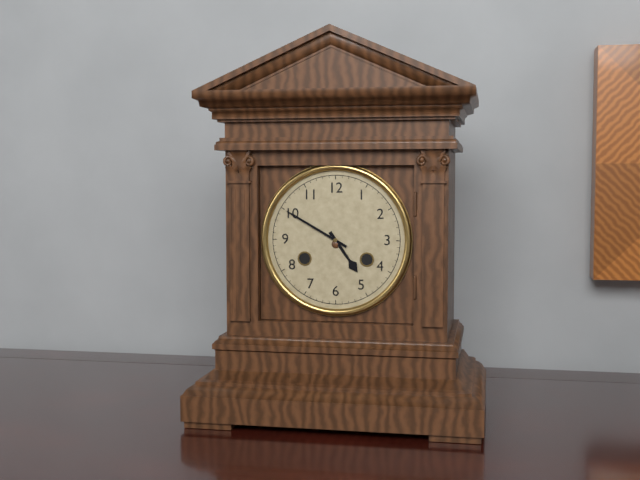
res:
4.50
